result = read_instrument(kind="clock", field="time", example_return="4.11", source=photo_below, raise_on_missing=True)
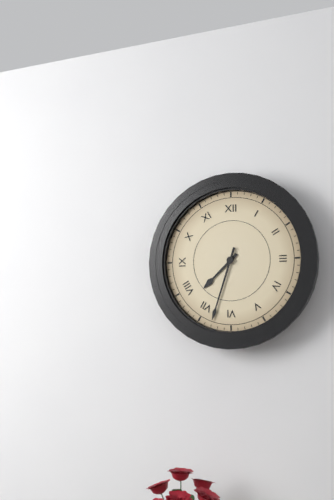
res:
7.33
